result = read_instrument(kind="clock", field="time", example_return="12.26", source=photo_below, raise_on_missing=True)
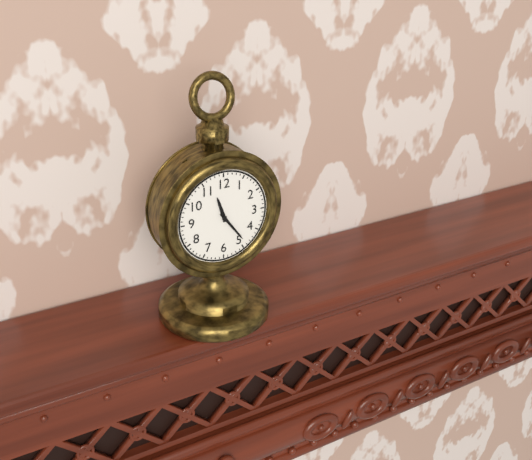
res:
11.24
